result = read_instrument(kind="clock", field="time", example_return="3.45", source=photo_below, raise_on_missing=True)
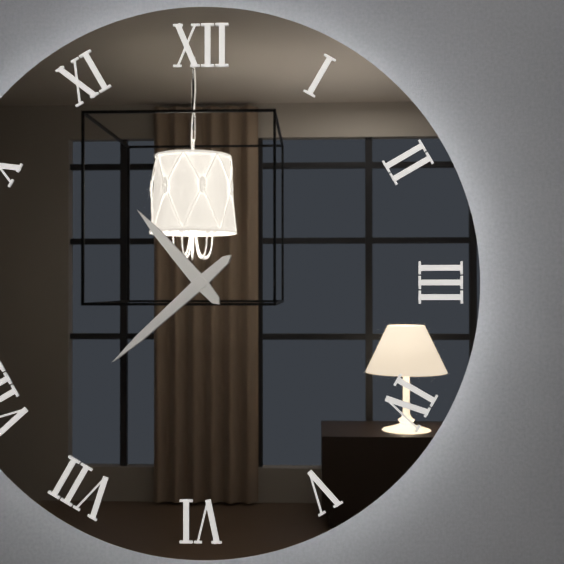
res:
10.38
